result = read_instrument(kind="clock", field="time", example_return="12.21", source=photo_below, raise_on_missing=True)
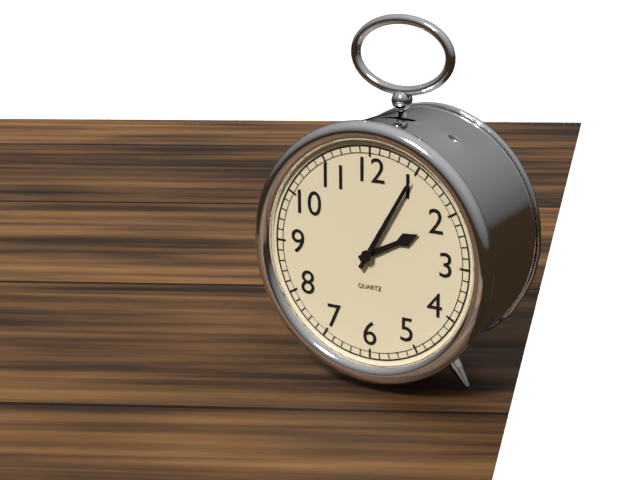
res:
2.05
